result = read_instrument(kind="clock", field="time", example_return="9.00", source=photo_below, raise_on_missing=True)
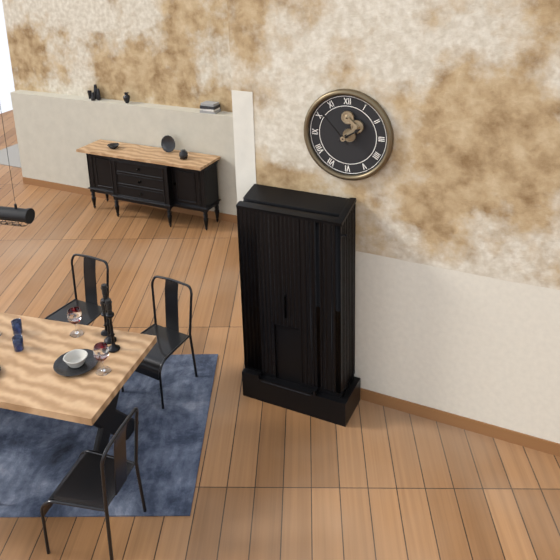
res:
1.53
